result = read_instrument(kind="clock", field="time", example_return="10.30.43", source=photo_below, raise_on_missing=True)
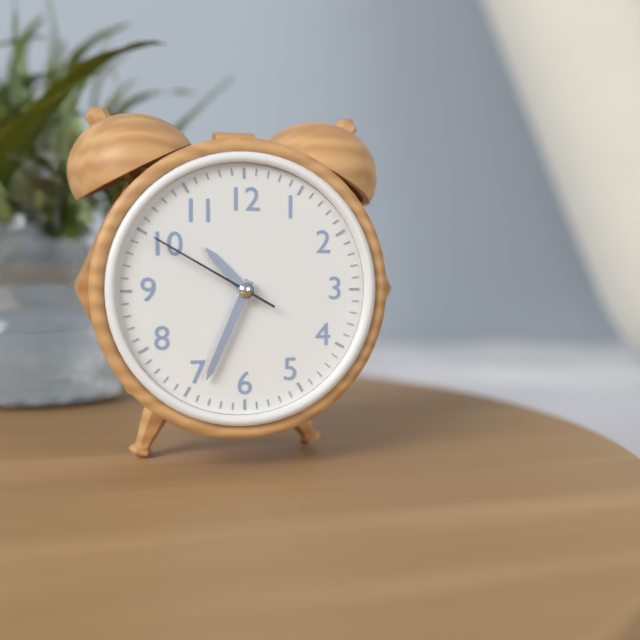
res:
10.34.50
